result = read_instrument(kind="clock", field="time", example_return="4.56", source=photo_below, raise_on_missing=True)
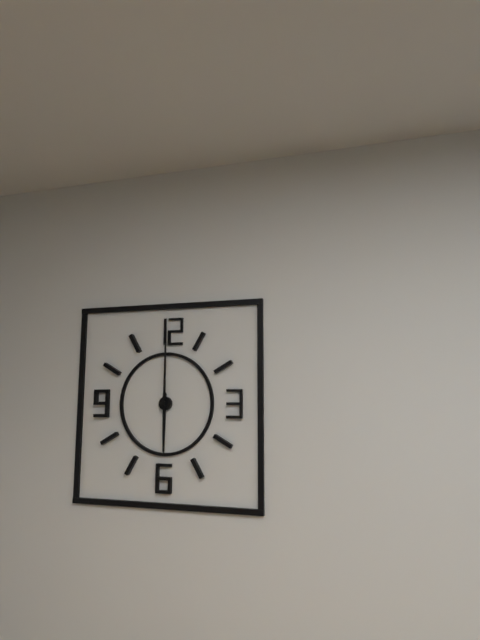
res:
6.00
